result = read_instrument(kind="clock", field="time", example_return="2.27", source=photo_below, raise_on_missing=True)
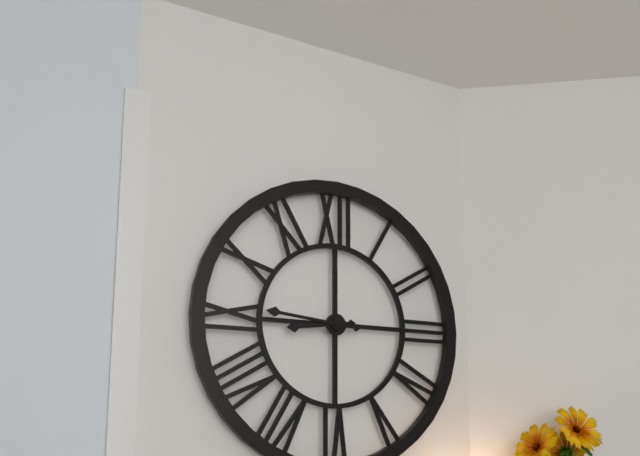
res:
8.46
